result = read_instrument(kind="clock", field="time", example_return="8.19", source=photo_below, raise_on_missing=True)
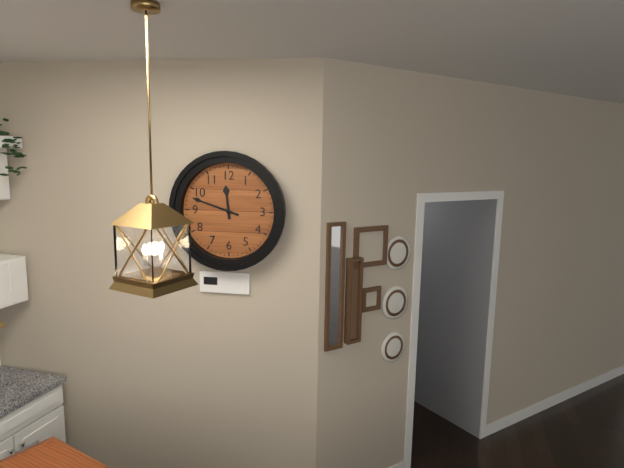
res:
11.48
